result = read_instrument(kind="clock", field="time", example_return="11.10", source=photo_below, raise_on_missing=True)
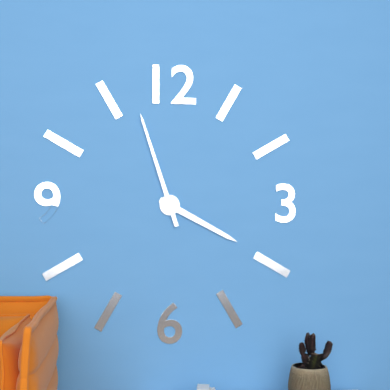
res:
3.57
